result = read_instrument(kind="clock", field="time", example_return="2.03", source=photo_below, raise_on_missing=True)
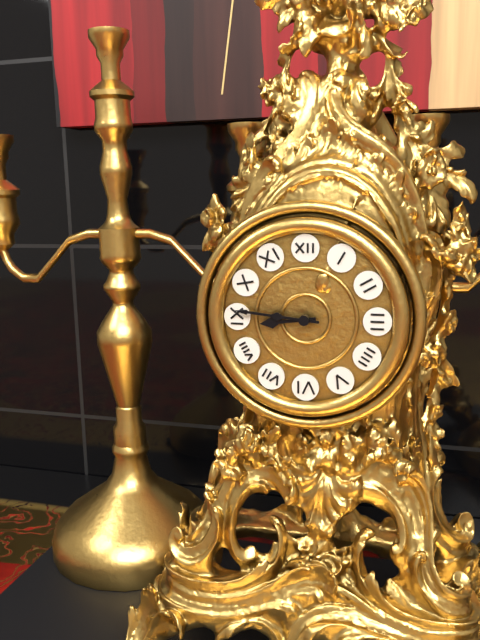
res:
8.46
